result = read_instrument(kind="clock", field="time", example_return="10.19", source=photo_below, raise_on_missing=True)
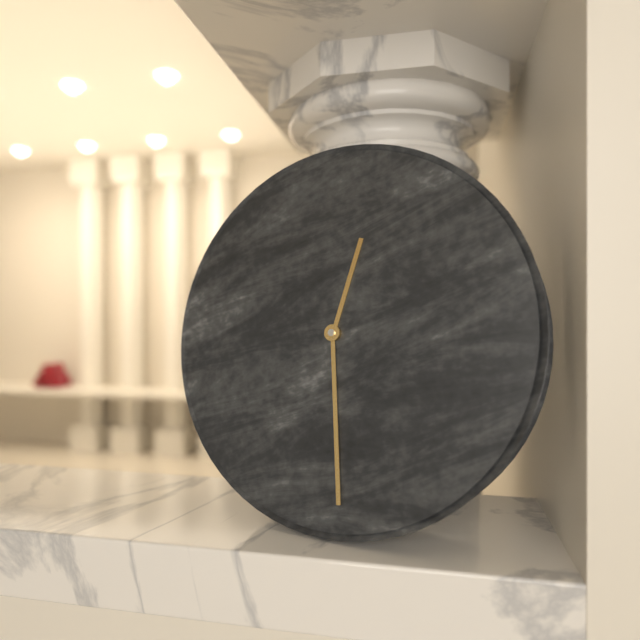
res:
12.29
